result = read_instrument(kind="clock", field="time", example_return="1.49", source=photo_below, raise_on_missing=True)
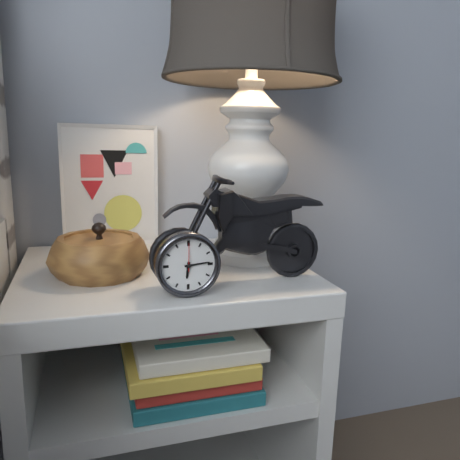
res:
6.14
